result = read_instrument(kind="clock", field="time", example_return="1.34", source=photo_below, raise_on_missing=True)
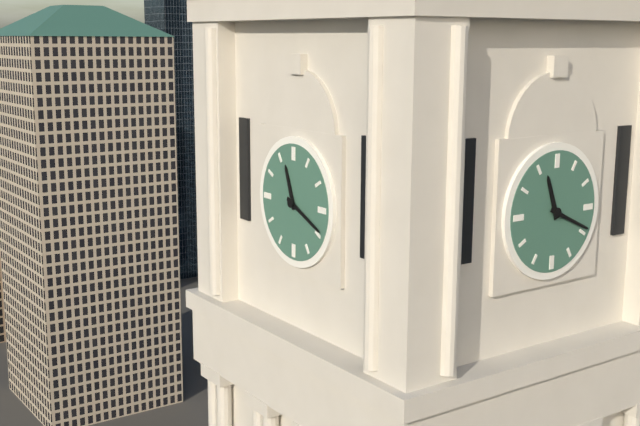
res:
11.19
